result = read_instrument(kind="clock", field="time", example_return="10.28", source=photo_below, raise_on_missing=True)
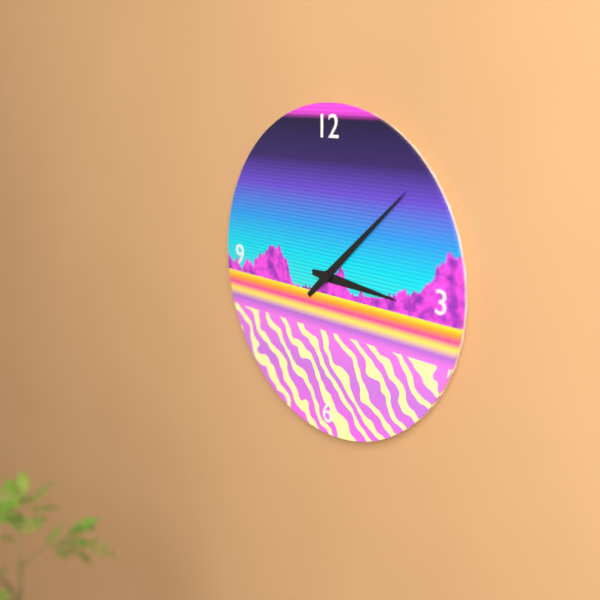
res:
3.08
